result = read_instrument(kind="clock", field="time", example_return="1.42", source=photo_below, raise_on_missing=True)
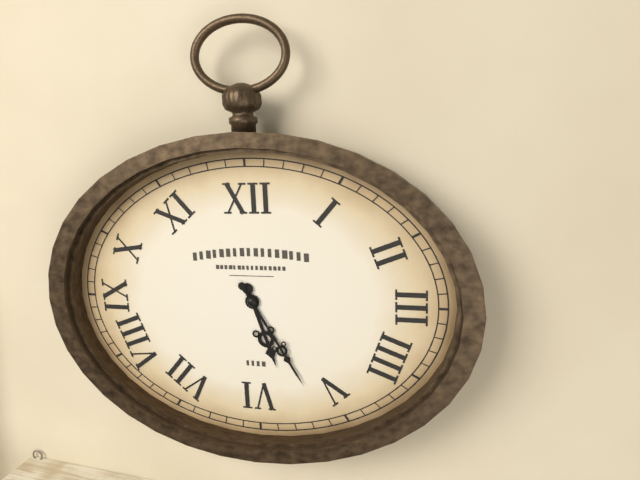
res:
5.25
